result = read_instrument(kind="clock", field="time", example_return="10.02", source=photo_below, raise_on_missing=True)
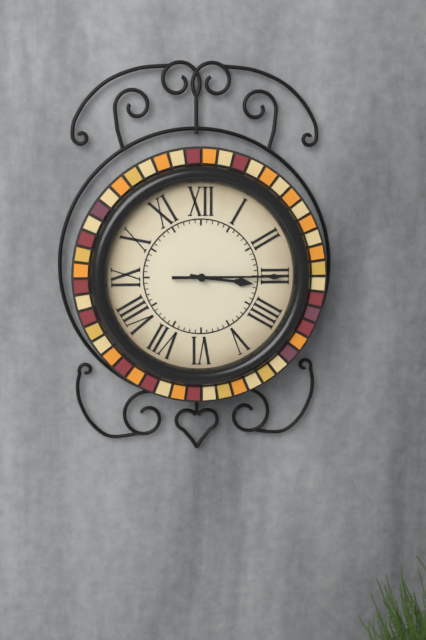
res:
3.15
